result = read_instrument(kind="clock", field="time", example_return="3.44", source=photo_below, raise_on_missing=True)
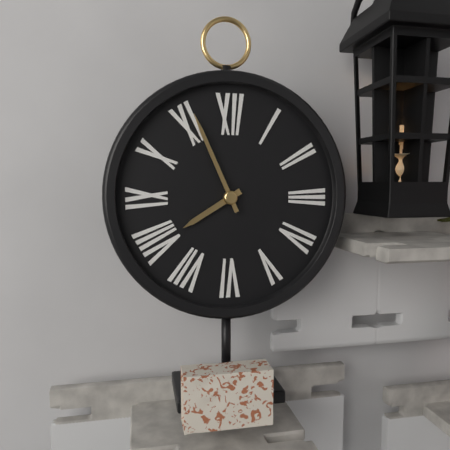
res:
7.56
